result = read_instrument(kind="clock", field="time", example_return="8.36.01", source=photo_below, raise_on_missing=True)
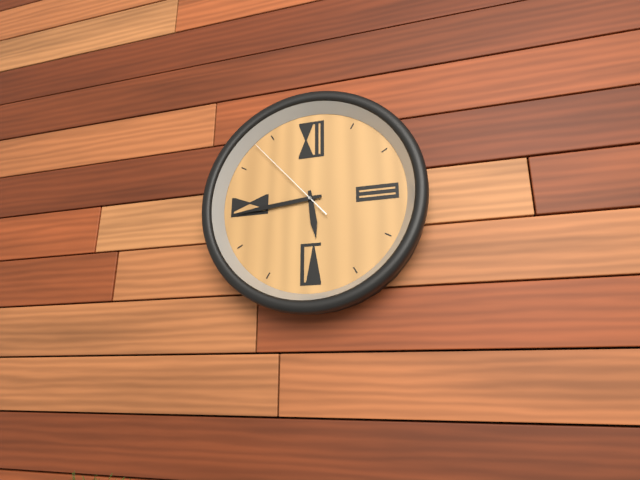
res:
5.44.53
